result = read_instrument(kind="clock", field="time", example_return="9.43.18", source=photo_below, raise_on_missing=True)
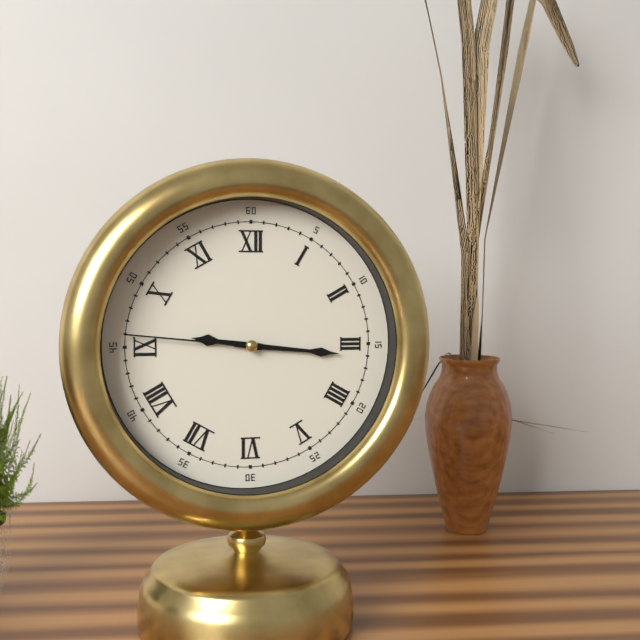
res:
9.16.46
